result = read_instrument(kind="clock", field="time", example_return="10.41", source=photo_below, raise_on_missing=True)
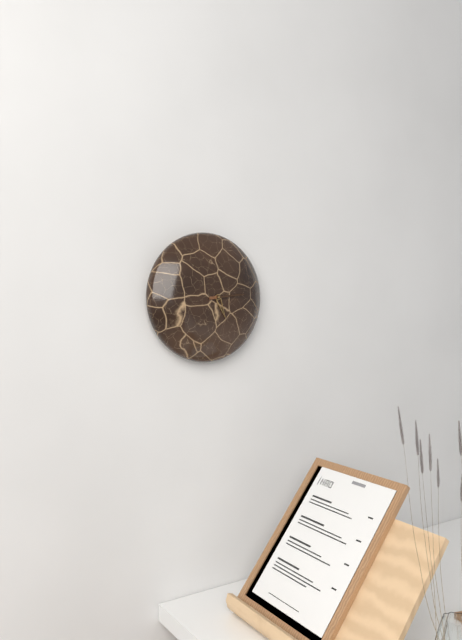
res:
5.14
